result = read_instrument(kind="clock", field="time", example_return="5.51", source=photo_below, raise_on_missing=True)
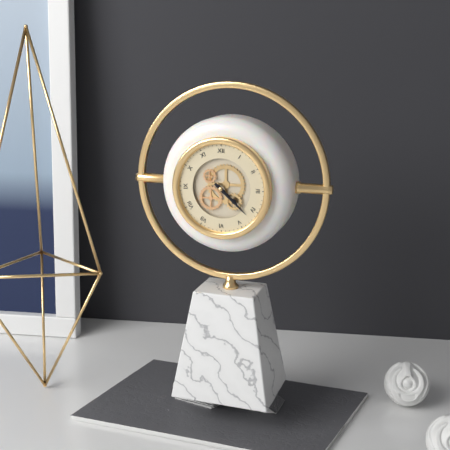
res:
4.22
